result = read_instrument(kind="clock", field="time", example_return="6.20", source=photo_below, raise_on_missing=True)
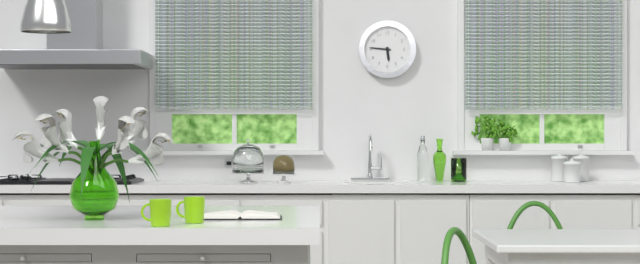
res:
5.46
